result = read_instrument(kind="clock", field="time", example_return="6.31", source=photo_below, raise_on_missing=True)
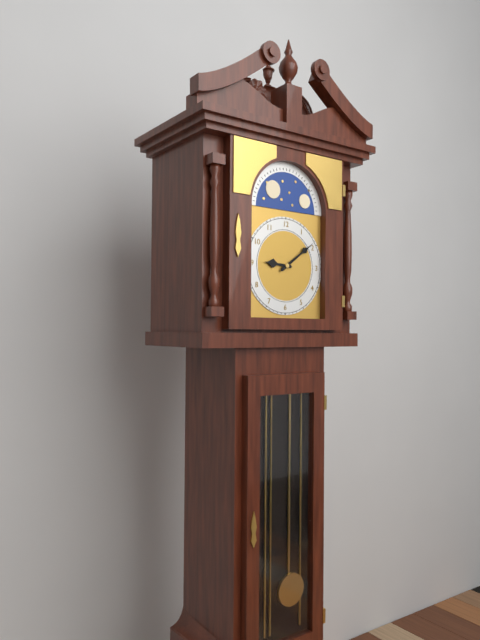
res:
9.09
